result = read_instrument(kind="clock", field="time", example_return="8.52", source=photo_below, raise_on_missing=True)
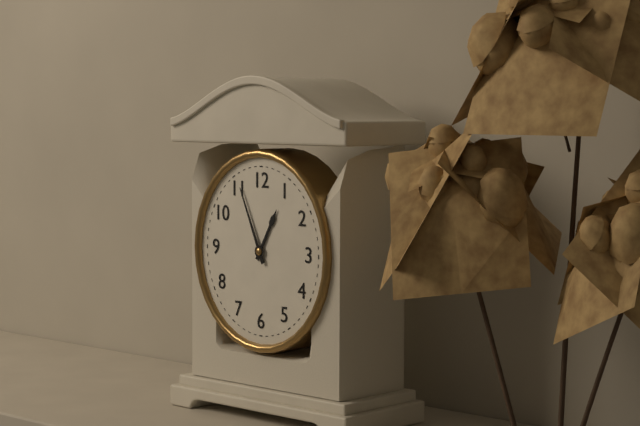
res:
12.56
